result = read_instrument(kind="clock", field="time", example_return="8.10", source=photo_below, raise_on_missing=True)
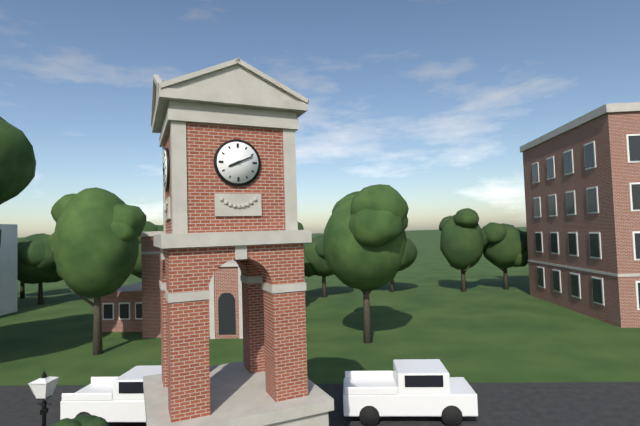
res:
8.11
